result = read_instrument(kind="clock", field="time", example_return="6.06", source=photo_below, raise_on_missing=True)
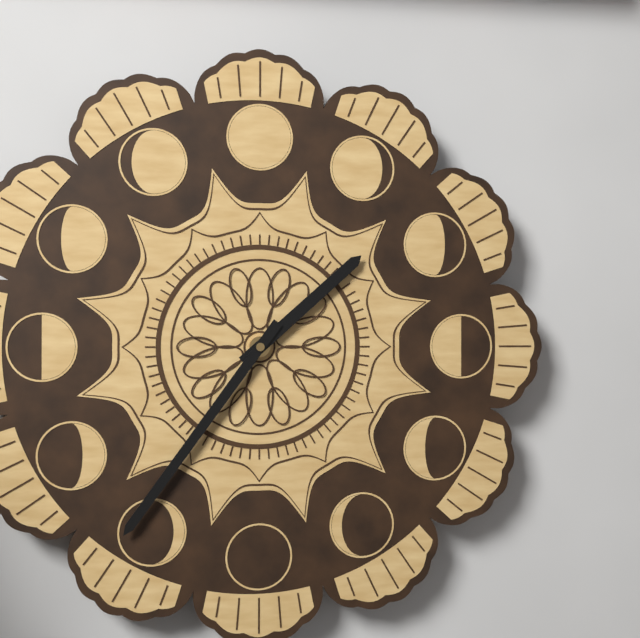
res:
1.36
